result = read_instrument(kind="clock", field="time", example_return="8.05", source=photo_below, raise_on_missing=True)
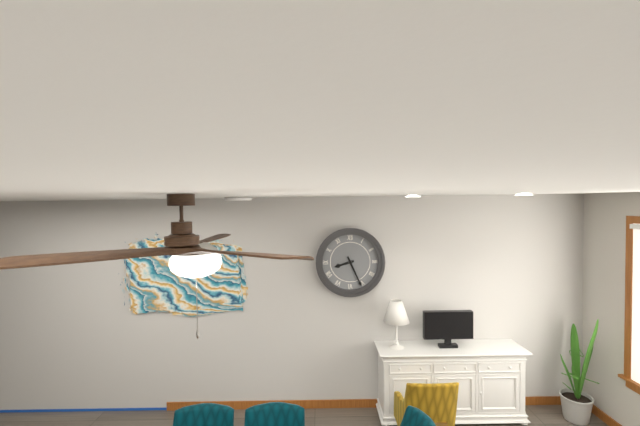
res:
8.26
